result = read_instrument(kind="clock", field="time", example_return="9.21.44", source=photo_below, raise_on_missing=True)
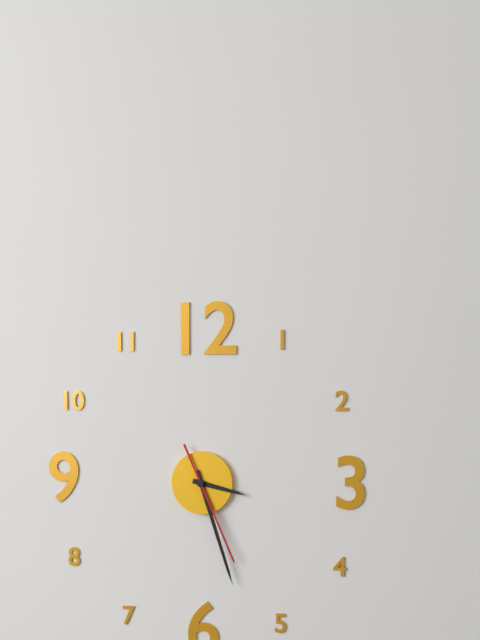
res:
3.27.26
